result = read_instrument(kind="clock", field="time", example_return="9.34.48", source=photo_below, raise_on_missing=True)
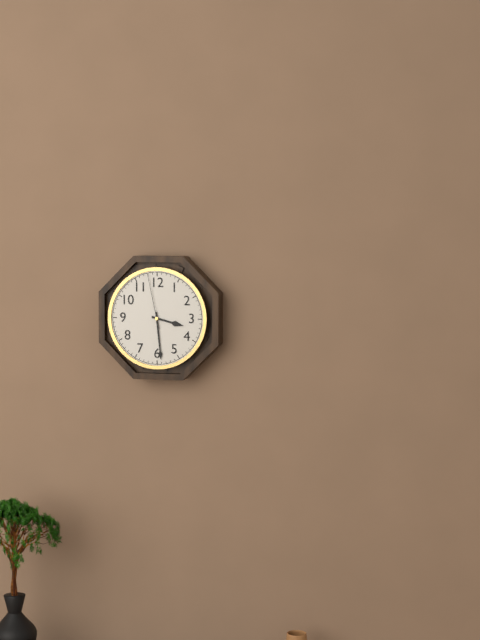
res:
3.29.58
